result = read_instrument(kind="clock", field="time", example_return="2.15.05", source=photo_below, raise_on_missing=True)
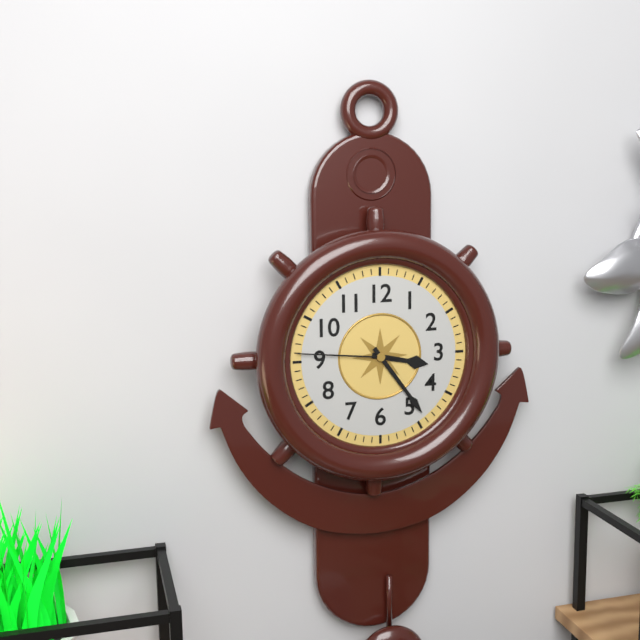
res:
3.24.46
